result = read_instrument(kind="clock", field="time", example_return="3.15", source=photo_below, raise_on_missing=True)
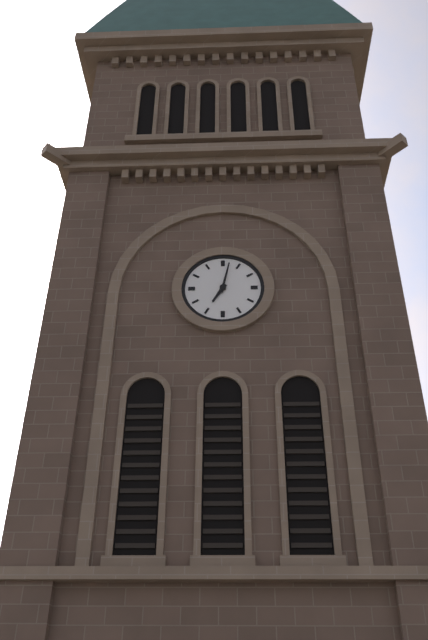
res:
7.02
